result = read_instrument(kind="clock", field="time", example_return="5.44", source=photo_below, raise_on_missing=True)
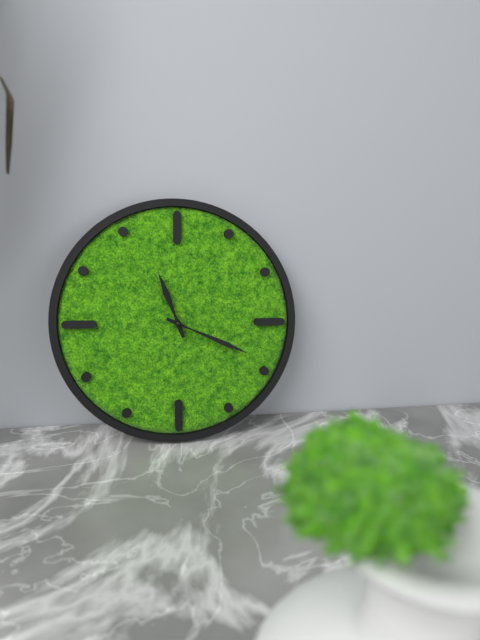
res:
11.19
